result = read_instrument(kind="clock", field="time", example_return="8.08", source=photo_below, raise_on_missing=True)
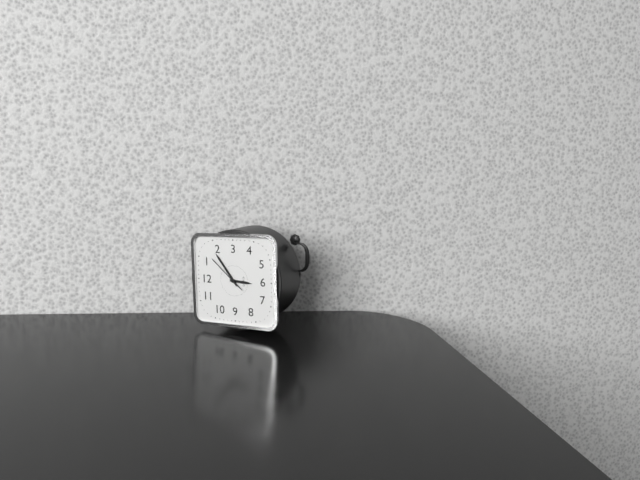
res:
6.09
